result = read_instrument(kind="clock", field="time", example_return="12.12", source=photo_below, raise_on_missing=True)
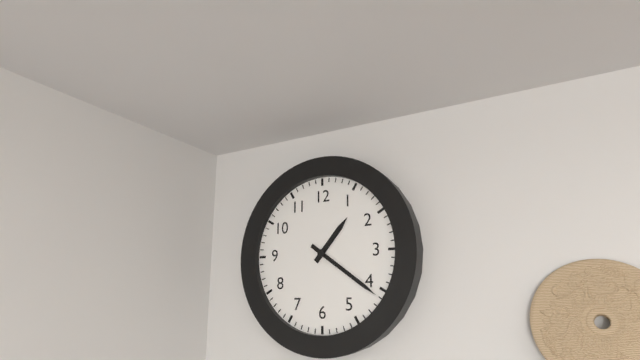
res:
1.21
